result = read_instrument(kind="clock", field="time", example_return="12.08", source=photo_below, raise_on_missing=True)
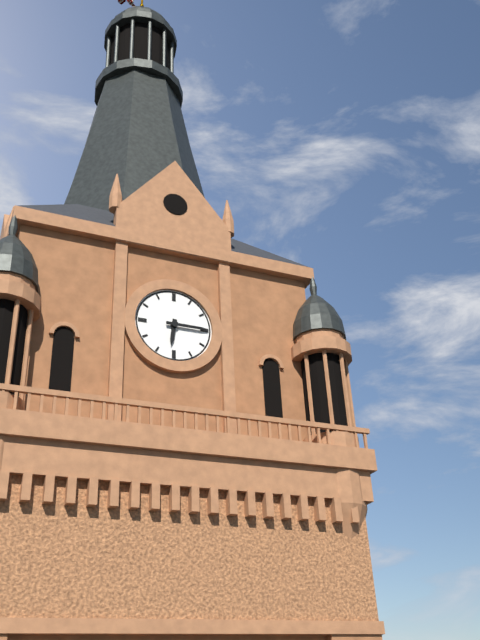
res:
6.15
